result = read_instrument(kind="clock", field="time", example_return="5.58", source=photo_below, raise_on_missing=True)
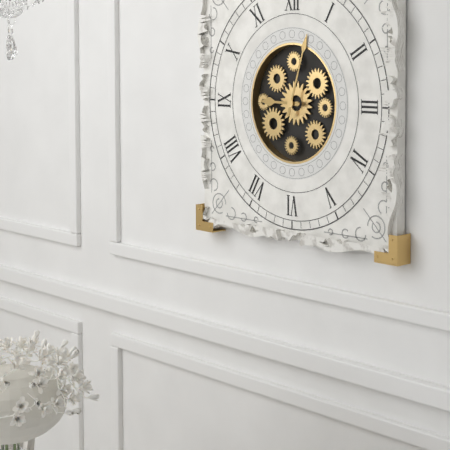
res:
9.03
